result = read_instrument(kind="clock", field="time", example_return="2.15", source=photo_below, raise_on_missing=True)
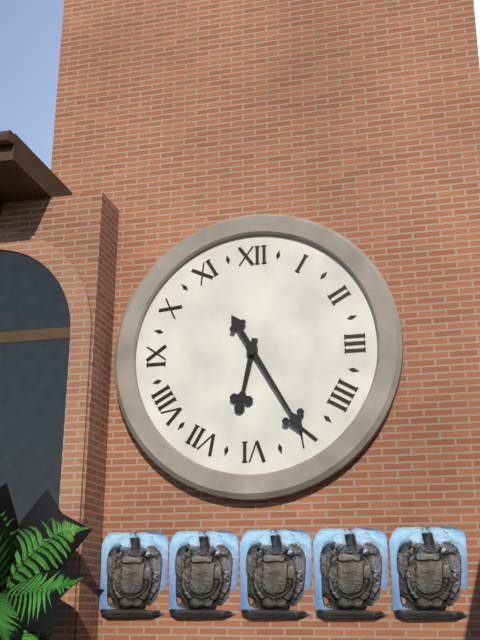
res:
6.25
